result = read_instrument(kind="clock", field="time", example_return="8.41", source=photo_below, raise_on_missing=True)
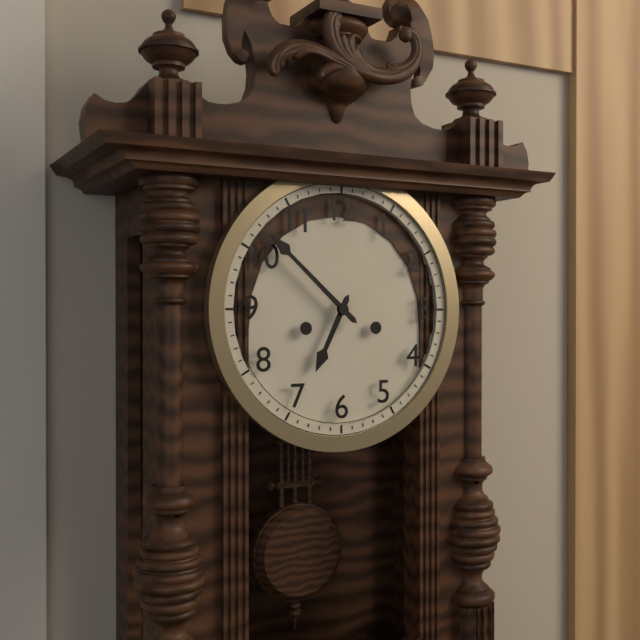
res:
6.52
